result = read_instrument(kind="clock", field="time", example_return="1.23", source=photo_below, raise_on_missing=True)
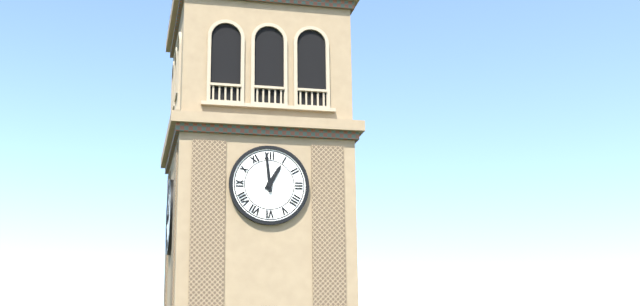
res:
12.59
